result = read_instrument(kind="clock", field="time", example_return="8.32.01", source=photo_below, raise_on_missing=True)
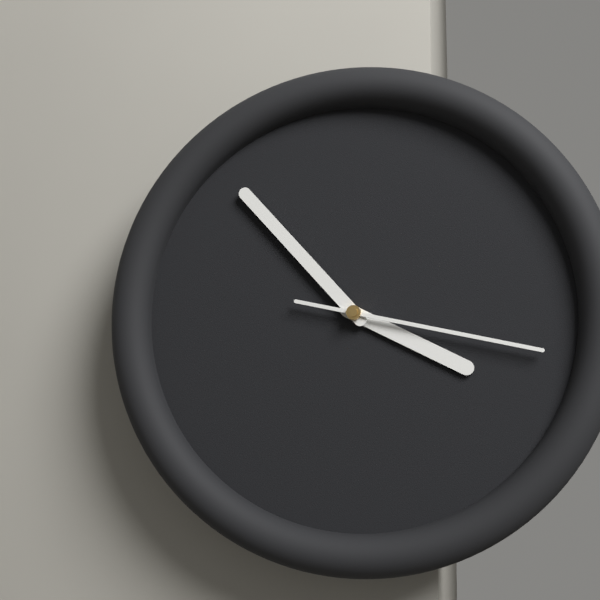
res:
3.53.17
